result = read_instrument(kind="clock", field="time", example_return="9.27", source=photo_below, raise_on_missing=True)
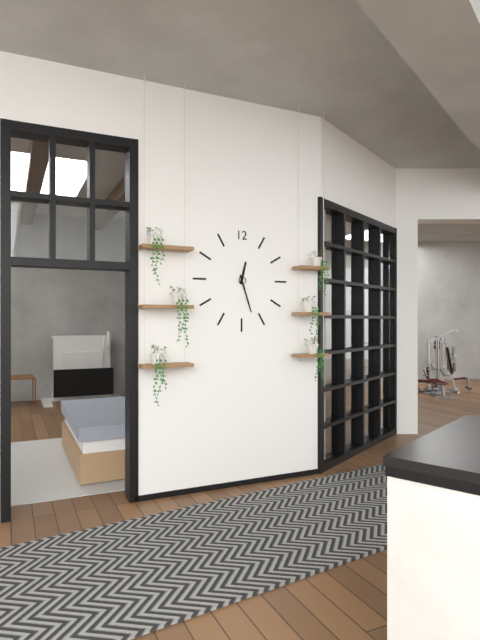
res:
12.27
